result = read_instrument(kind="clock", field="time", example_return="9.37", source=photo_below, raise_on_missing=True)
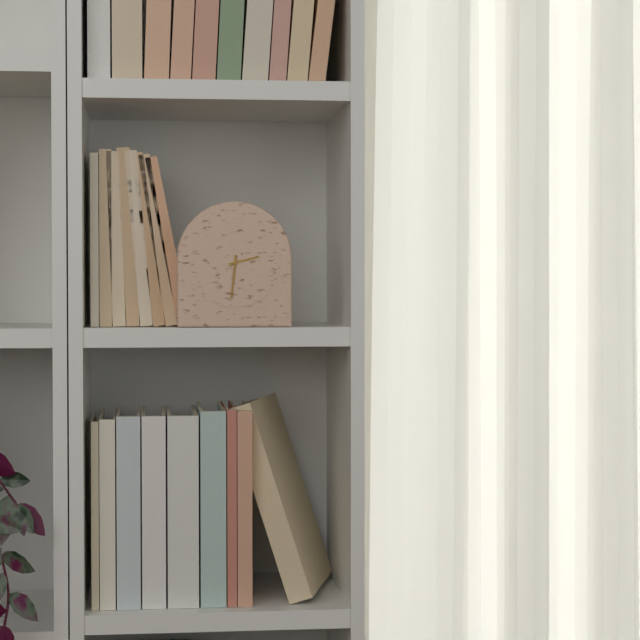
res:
2.31
